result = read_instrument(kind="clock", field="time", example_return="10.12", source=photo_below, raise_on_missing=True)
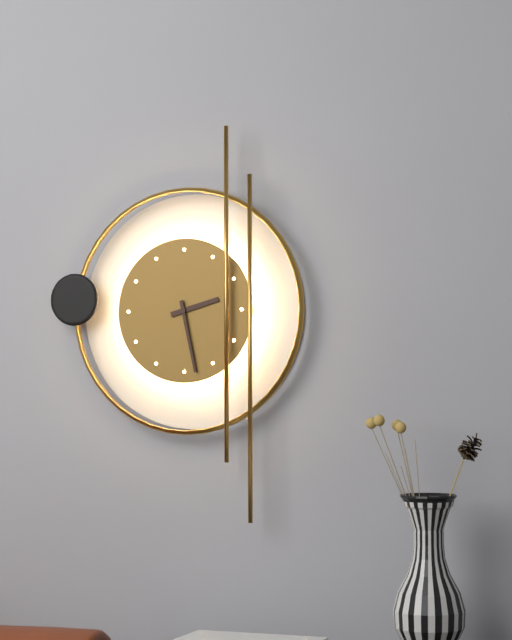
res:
2.28
